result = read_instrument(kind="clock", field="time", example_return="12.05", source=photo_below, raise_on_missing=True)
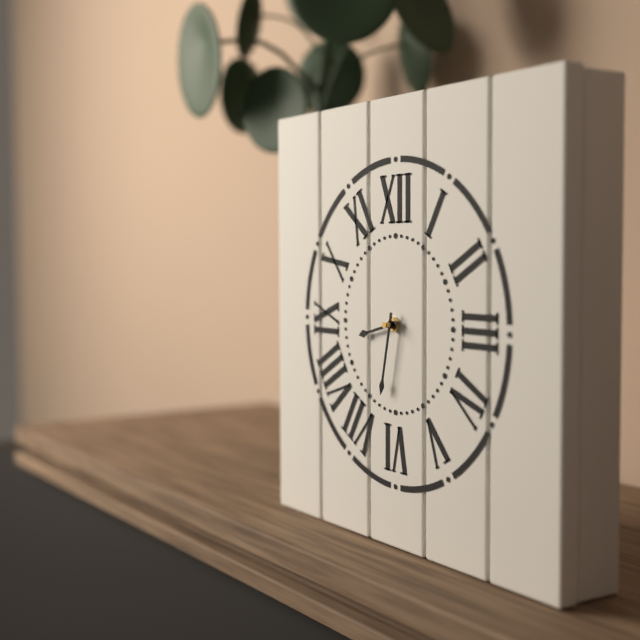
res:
8.32
